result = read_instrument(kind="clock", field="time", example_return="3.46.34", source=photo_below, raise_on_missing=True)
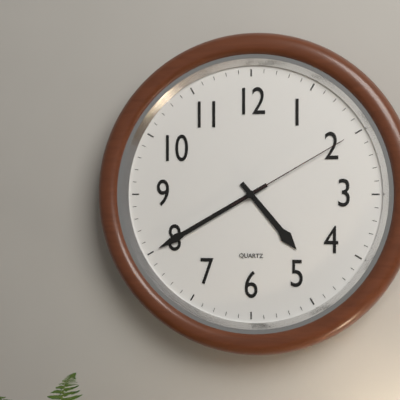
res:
4.40.10
